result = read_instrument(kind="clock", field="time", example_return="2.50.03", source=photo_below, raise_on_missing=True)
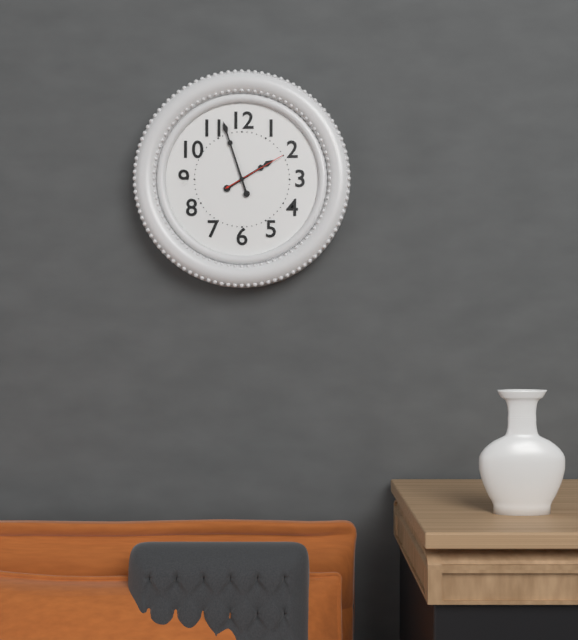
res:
1.57.10
